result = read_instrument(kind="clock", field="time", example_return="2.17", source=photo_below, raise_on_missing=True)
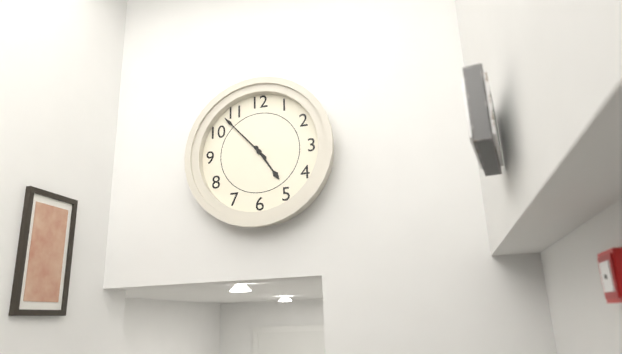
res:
4.53
